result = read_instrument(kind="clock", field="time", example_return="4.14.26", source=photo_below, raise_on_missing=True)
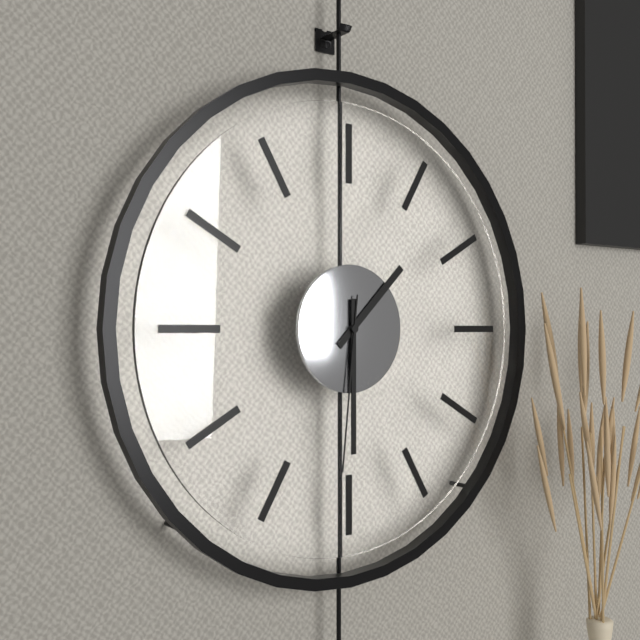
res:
1.30.31
